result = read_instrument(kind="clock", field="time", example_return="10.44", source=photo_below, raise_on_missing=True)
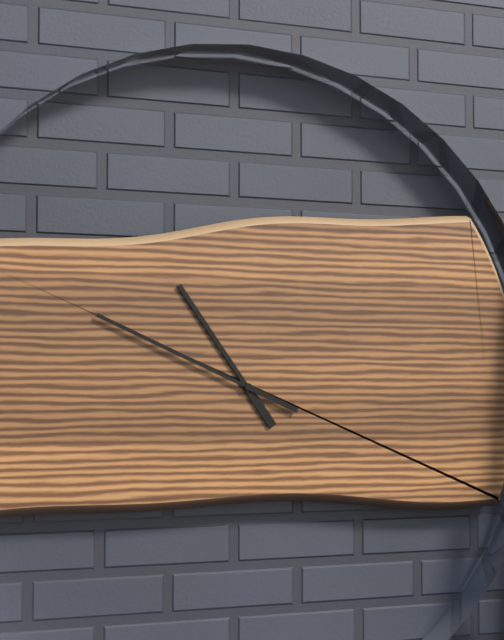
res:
10.49
